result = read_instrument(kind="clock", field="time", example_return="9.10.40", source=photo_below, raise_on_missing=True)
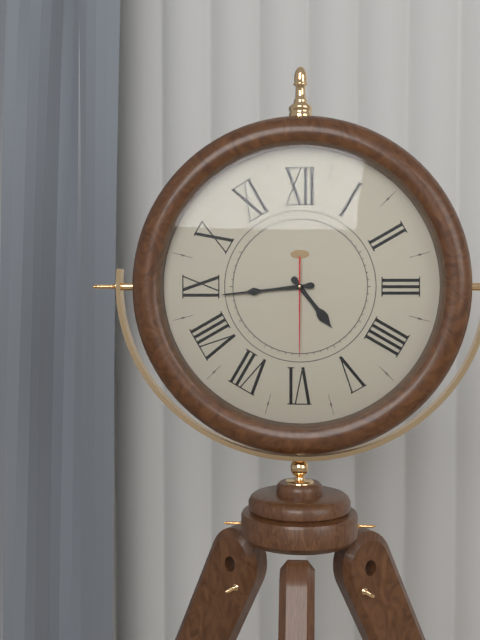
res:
4.44.30
